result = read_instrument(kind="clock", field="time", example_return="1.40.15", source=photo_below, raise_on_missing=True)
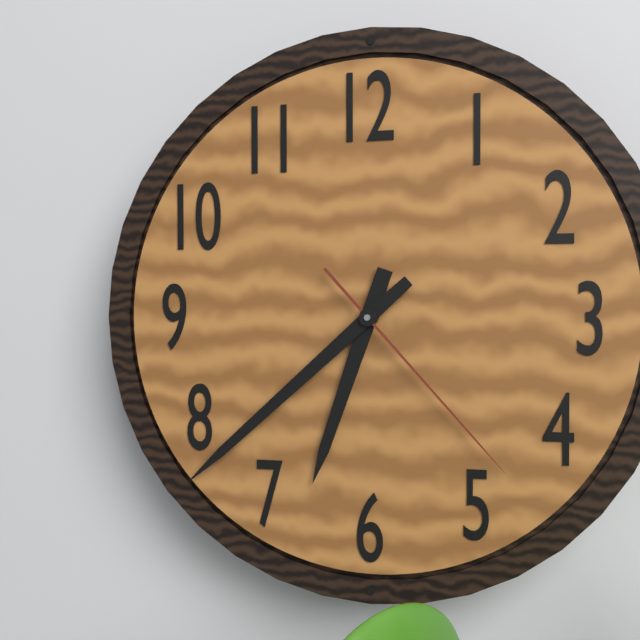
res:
6.38.23
